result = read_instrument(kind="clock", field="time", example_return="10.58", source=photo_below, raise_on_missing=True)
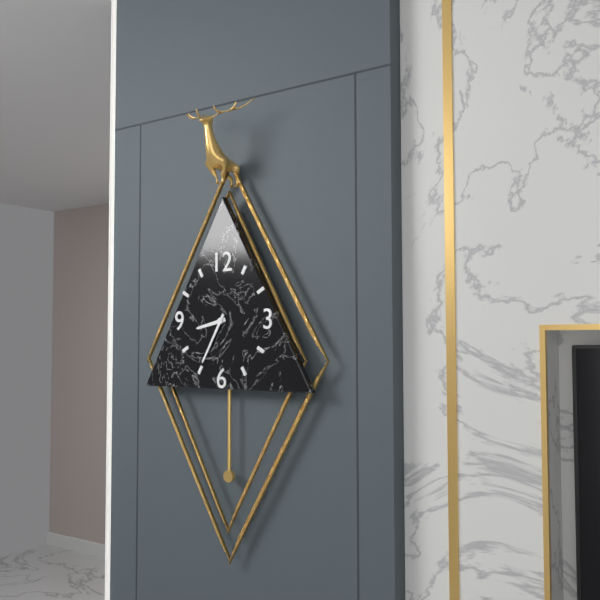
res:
8.35
